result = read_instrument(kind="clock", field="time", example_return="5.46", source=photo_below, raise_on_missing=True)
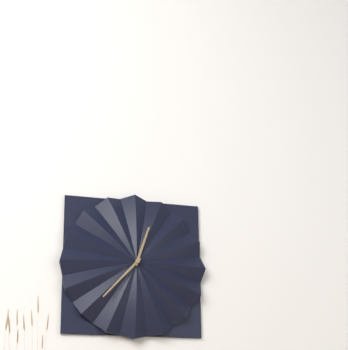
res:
12.37
